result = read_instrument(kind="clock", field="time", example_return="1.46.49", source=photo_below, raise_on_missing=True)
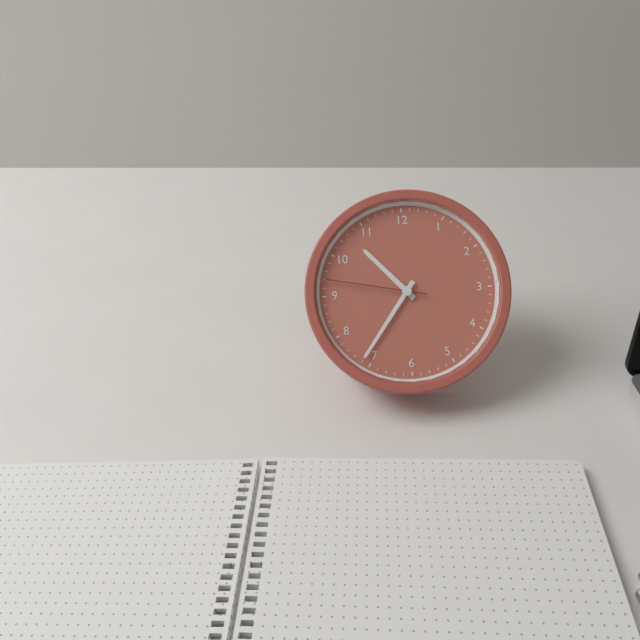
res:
10.36.47
